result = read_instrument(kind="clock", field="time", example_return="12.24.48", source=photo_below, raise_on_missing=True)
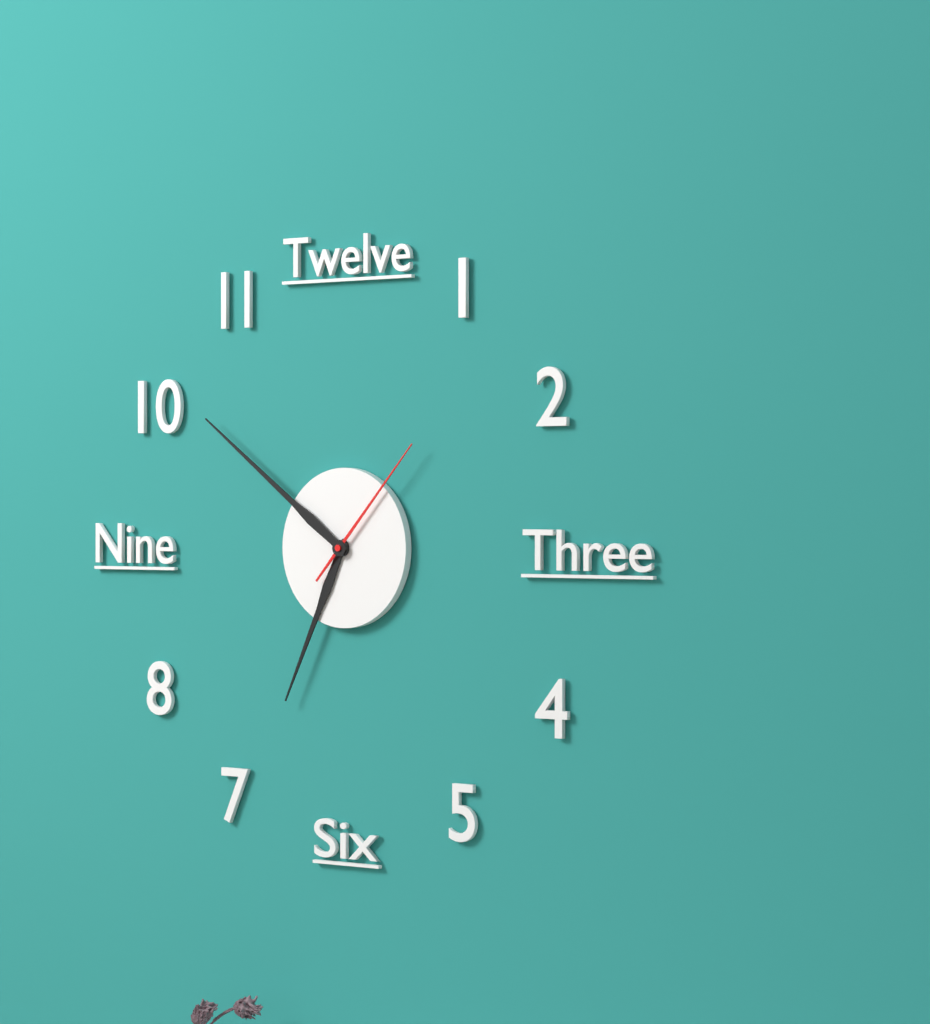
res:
6.51.07
